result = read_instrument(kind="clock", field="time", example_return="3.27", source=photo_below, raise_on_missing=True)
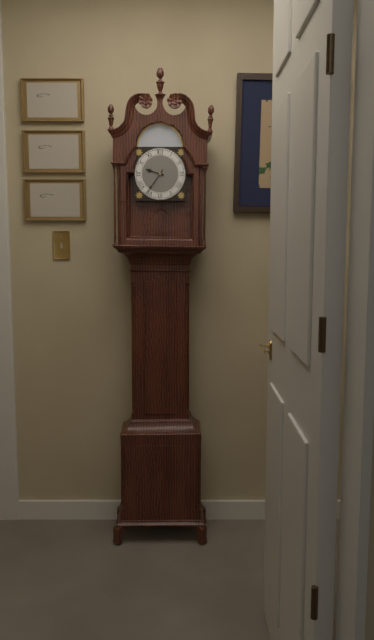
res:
9.36
